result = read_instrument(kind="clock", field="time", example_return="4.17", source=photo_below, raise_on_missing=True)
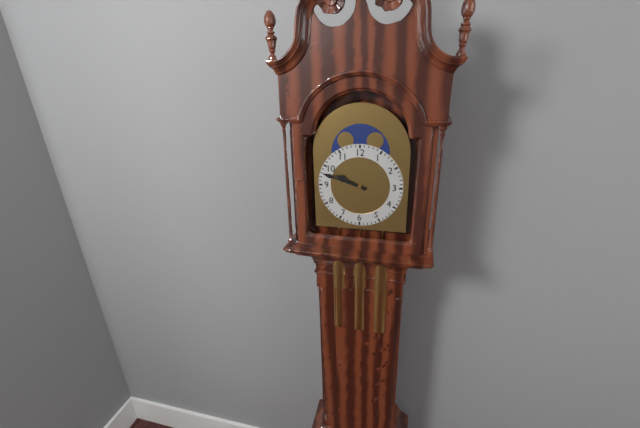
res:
9.48
